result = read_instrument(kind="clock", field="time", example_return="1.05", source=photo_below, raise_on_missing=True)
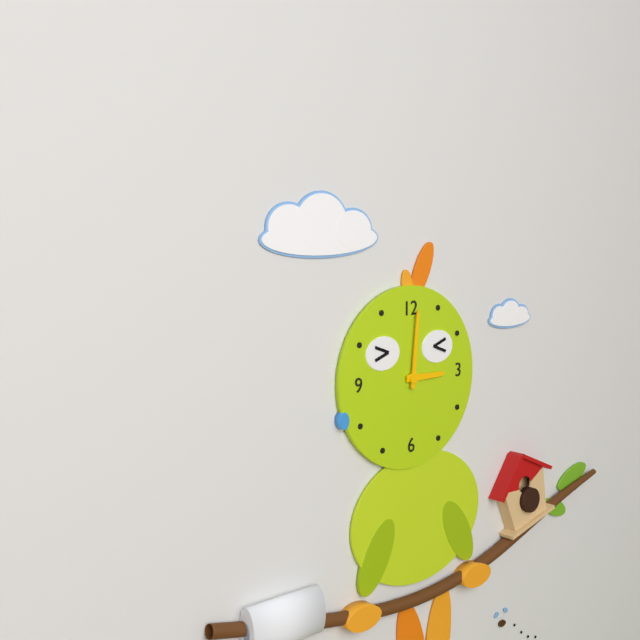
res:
3.01
